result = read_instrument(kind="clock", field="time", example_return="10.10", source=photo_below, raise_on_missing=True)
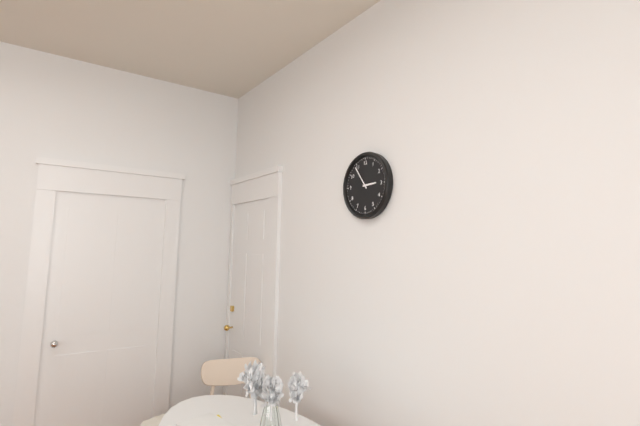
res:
2.54
